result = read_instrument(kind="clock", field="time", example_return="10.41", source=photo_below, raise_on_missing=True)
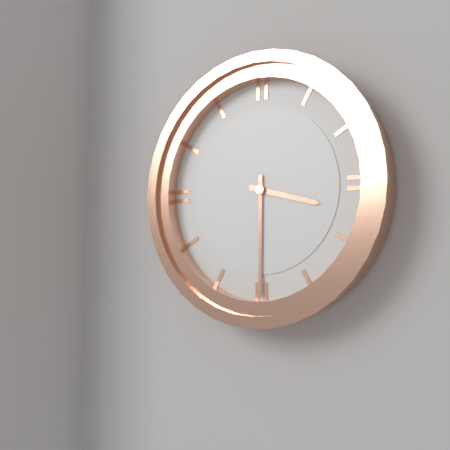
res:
3.30
